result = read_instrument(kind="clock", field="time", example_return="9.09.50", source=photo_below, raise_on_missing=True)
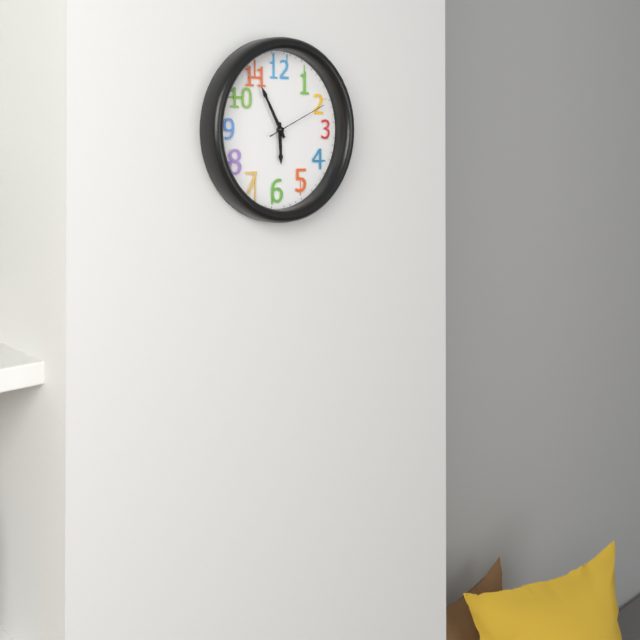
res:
5.55.11
